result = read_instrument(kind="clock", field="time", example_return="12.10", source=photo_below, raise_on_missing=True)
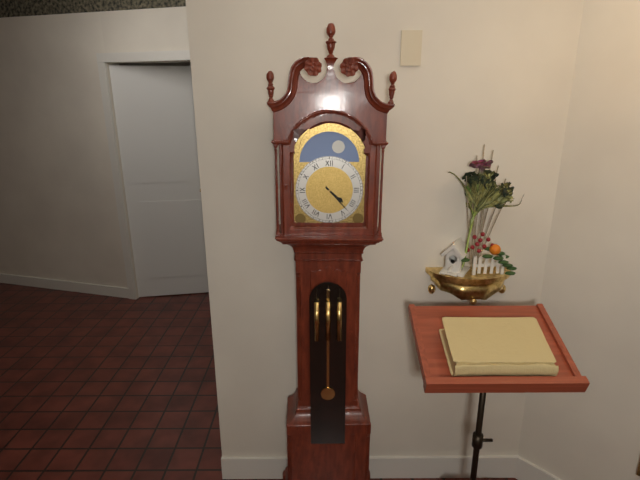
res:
4.23
